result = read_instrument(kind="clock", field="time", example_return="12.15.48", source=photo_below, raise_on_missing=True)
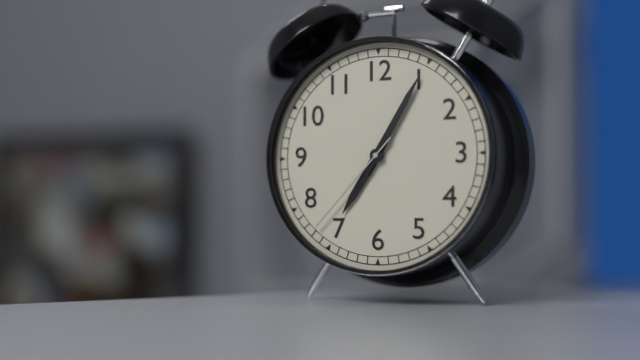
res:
7.05.37
